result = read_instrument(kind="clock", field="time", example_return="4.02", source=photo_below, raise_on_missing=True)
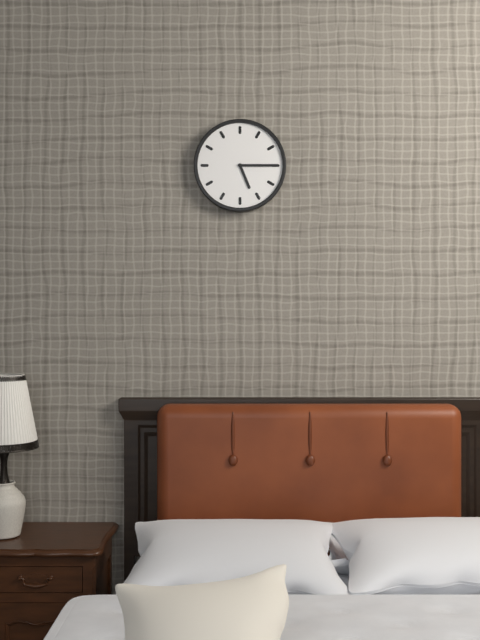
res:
5.15
